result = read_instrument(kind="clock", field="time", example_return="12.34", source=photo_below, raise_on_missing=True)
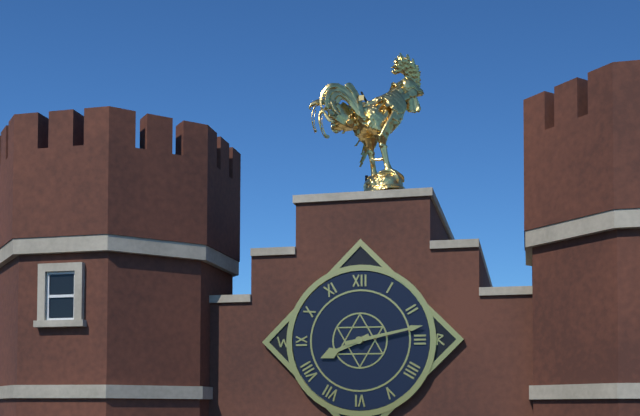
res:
8.13
